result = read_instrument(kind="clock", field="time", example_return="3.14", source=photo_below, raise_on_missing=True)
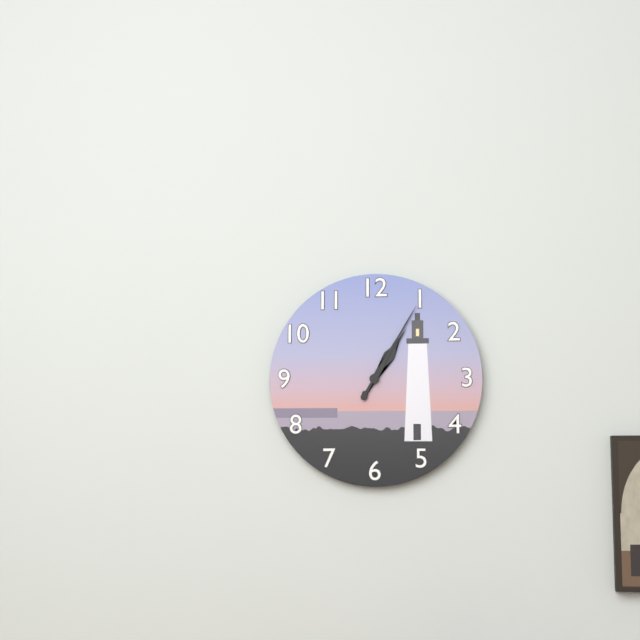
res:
1.05
